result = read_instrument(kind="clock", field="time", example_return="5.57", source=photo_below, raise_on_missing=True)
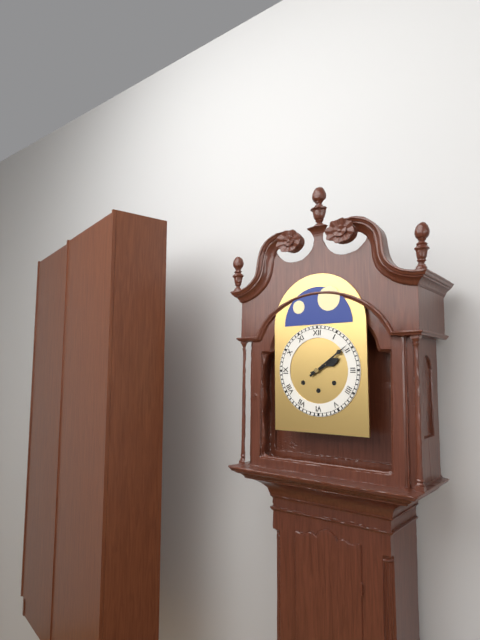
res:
2.09
